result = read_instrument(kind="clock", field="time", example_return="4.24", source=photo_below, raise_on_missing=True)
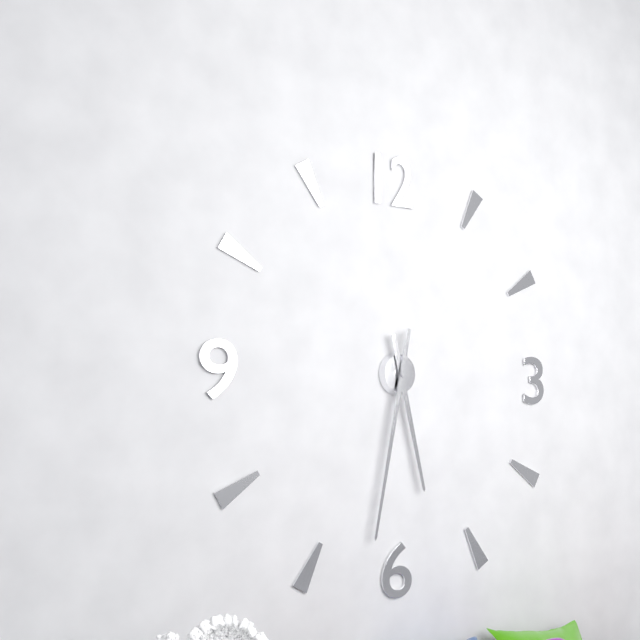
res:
5.32
